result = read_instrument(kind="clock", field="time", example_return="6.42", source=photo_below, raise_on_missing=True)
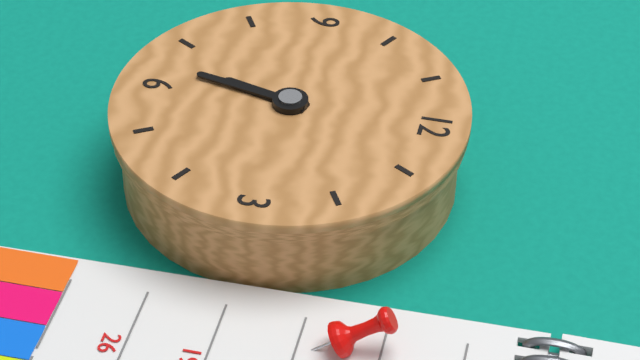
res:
6.32
